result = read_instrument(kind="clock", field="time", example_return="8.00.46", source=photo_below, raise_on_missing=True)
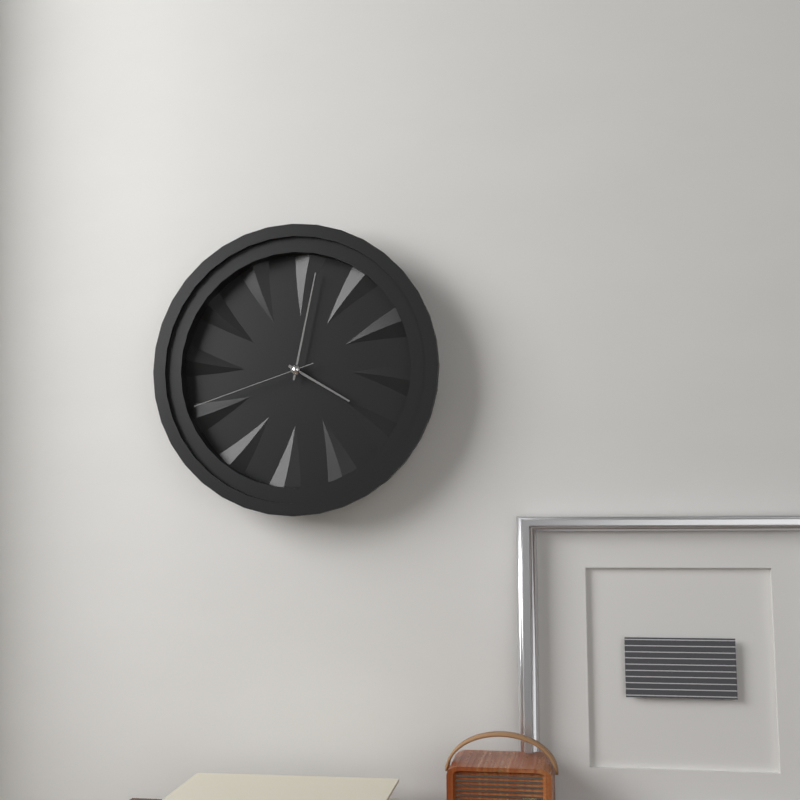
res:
4.02.42
